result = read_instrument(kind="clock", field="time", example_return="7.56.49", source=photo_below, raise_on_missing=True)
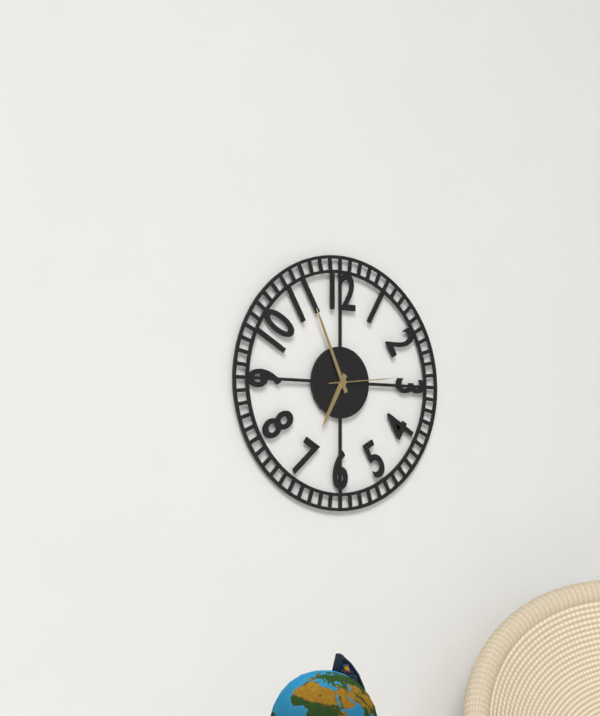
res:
6.56.14
